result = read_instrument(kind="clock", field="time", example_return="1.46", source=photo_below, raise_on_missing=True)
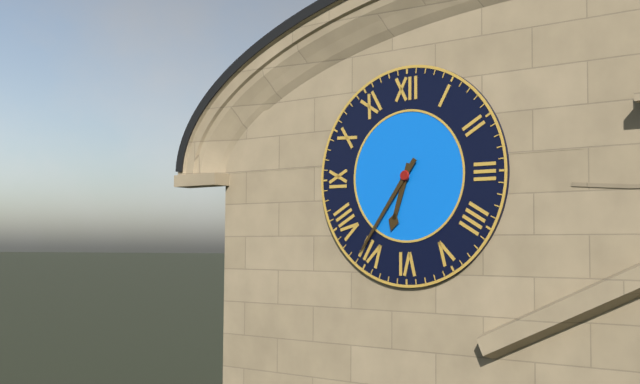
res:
6.36
